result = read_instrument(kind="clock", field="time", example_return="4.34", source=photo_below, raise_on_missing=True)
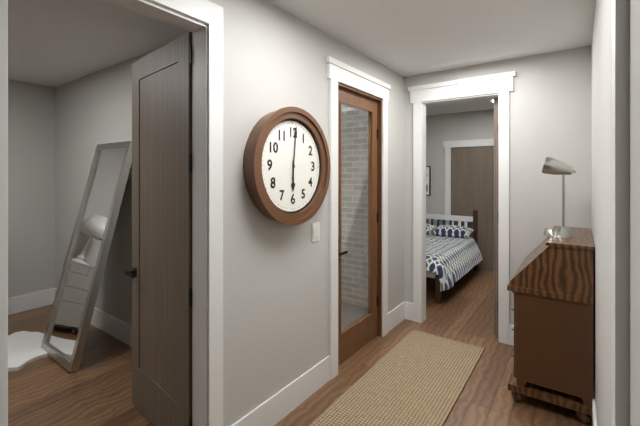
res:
6.01
